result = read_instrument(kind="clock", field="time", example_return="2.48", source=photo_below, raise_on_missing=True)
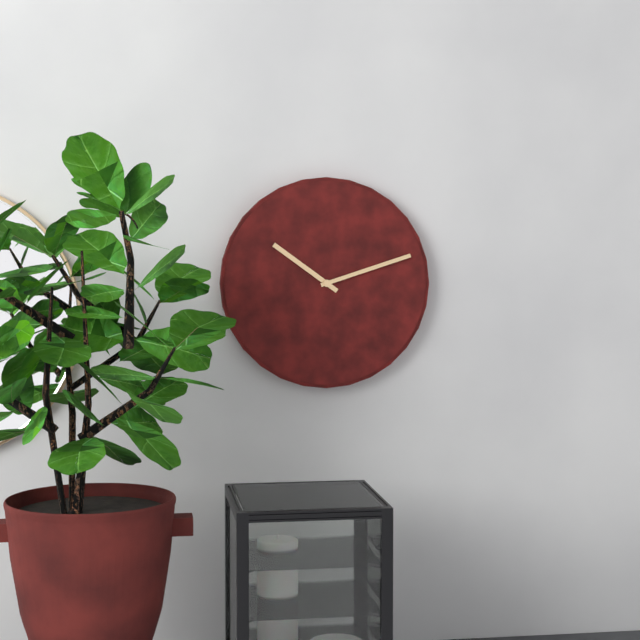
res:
10.12
